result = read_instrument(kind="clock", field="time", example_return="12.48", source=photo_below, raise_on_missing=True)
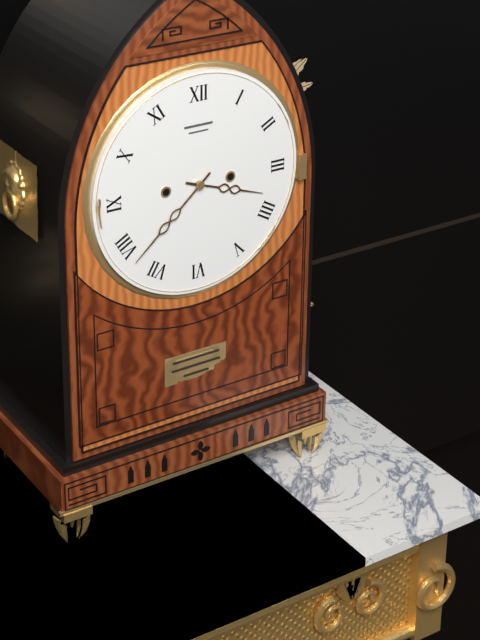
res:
3.38
